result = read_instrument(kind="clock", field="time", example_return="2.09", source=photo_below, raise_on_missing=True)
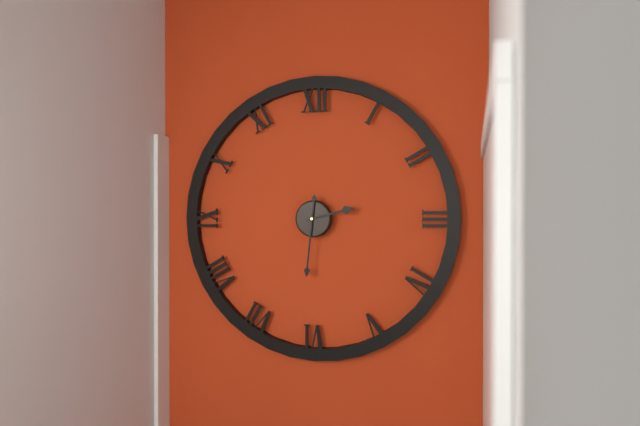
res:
2.31
